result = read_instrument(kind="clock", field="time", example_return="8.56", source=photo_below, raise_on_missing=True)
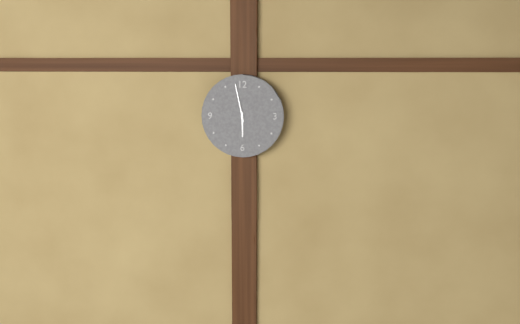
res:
5.58
